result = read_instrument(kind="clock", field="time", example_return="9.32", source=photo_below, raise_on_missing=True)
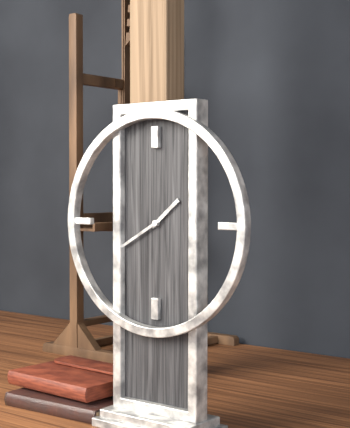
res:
1.40
